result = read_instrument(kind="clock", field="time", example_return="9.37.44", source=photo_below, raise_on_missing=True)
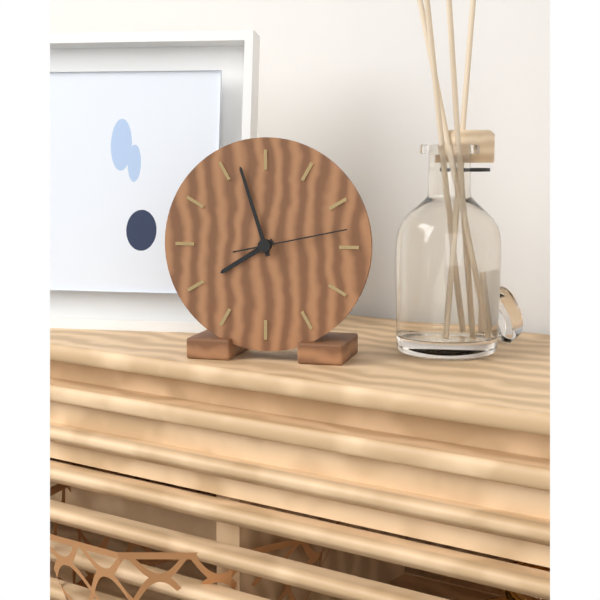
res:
7.57.13
